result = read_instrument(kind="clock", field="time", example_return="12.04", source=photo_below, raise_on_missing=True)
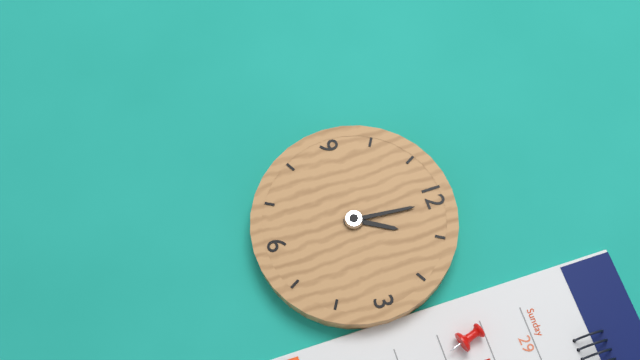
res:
1.01
